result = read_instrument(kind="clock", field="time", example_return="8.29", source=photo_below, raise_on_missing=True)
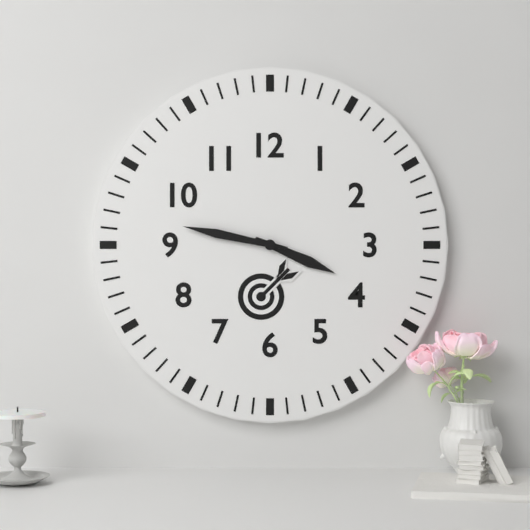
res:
3.47
